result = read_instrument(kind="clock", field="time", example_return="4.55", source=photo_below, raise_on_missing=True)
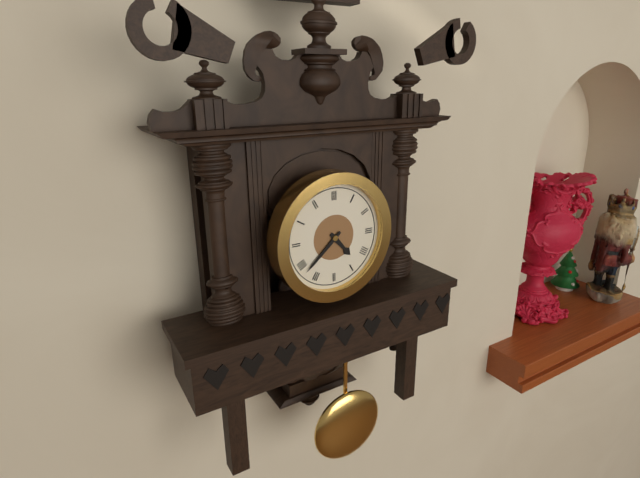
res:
4.38
